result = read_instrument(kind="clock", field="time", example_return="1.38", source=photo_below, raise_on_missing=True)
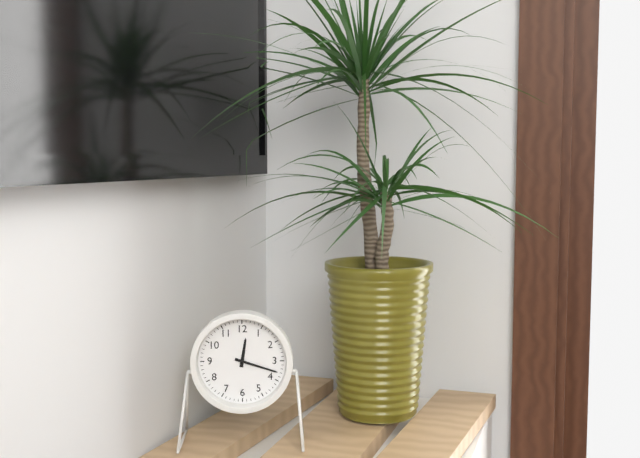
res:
12.18
